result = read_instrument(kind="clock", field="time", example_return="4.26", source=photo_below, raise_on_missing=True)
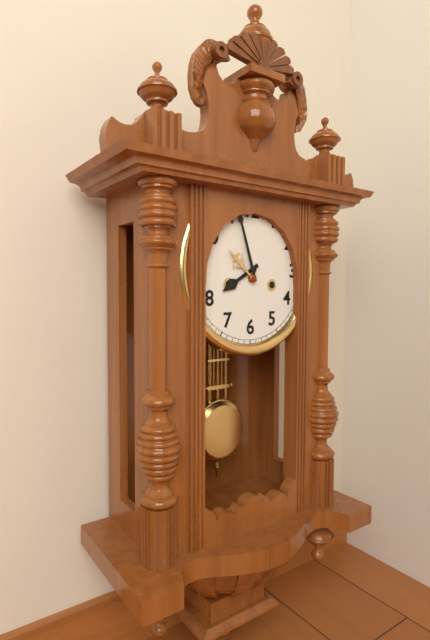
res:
7.57
